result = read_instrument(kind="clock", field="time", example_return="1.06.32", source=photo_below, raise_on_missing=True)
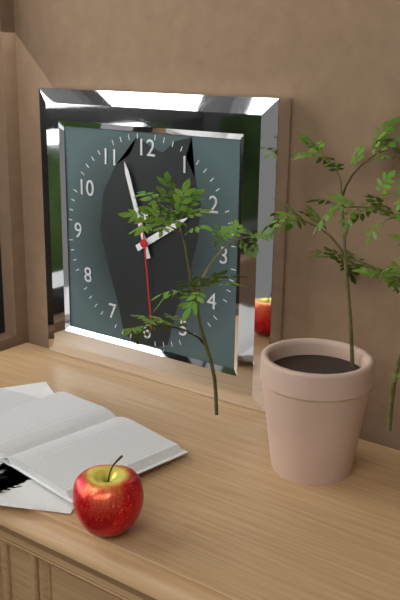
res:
1.57.29
